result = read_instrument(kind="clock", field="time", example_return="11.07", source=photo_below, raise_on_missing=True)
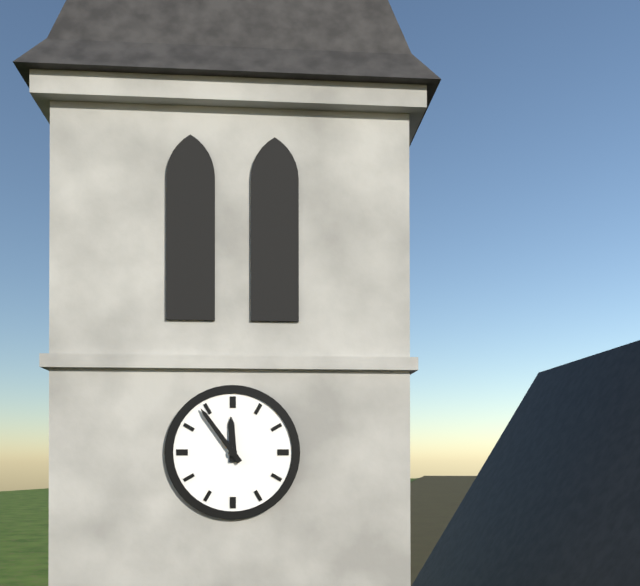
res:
11.54
